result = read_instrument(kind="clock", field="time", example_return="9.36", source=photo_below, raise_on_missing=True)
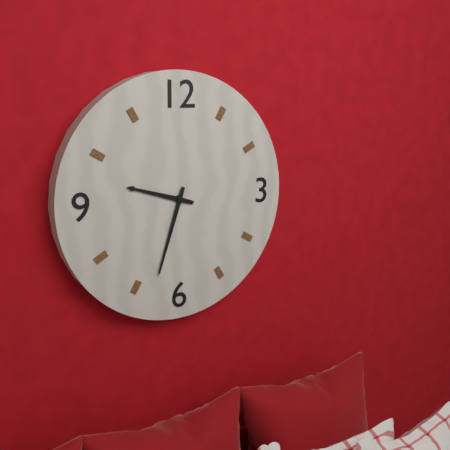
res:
9.33
